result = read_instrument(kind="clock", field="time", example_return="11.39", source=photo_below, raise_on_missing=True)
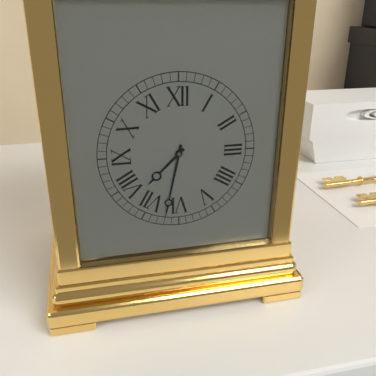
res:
7.32
